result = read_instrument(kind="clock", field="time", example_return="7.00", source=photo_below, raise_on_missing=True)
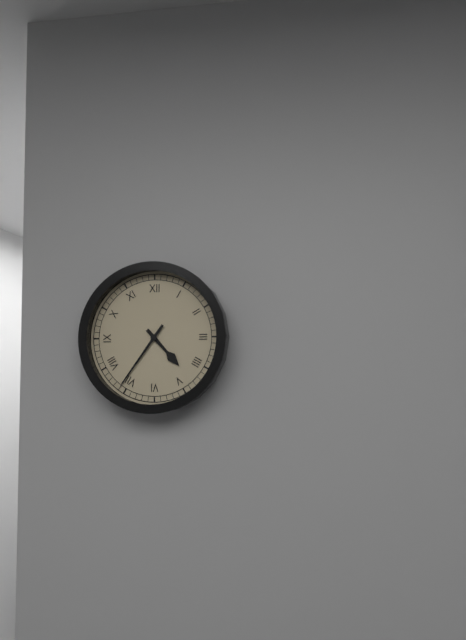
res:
4.36
